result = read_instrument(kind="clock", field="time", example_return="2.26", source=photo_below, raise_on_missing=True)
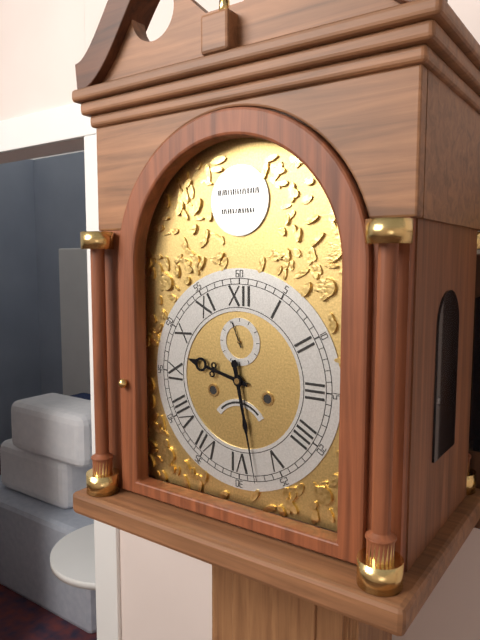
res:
9.28
